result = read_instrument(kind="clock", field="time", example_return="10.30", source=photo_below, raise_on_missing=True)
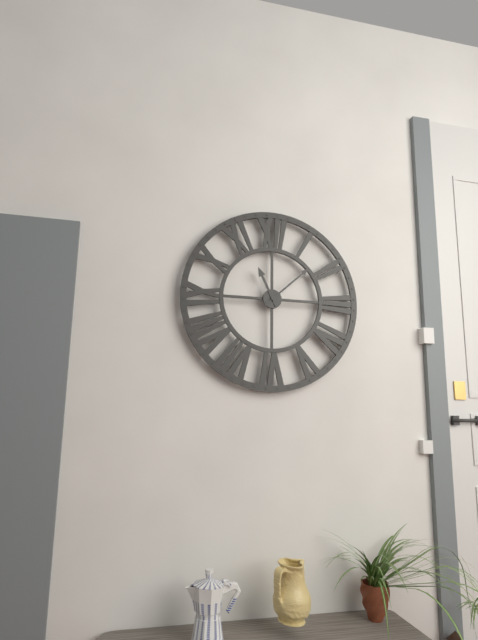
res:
11.08
